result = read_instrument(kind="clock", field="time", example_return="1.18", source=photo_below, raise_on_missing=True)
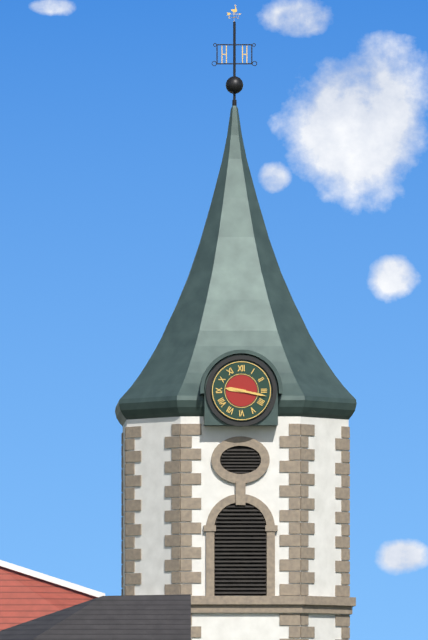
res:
9.17
